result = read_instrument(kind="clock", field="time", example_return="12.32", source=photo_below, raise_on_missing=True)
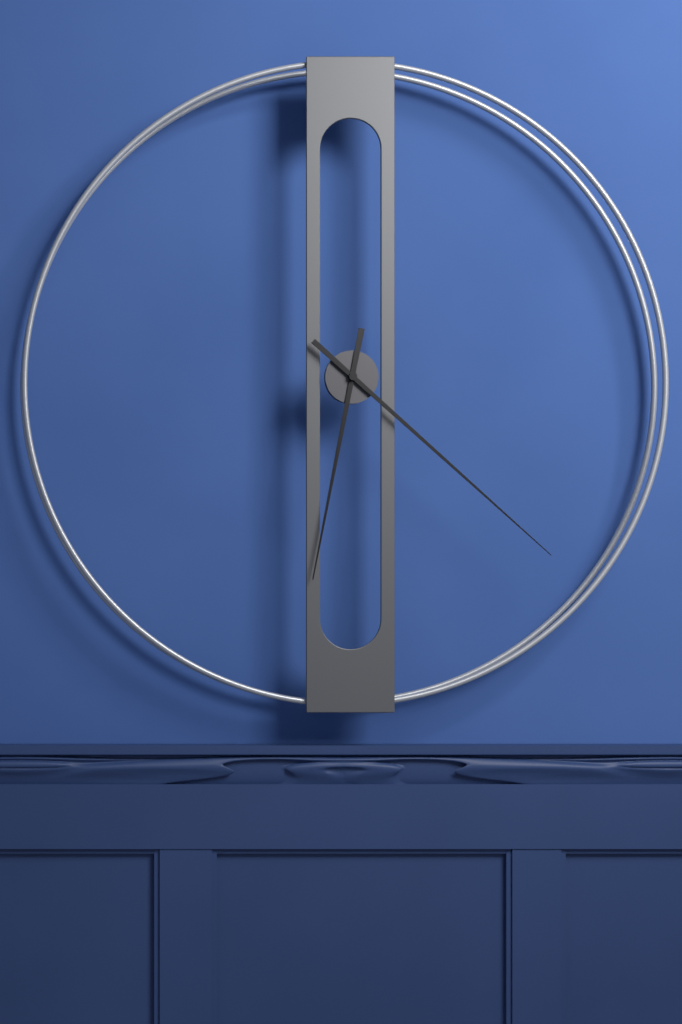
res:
6.22
